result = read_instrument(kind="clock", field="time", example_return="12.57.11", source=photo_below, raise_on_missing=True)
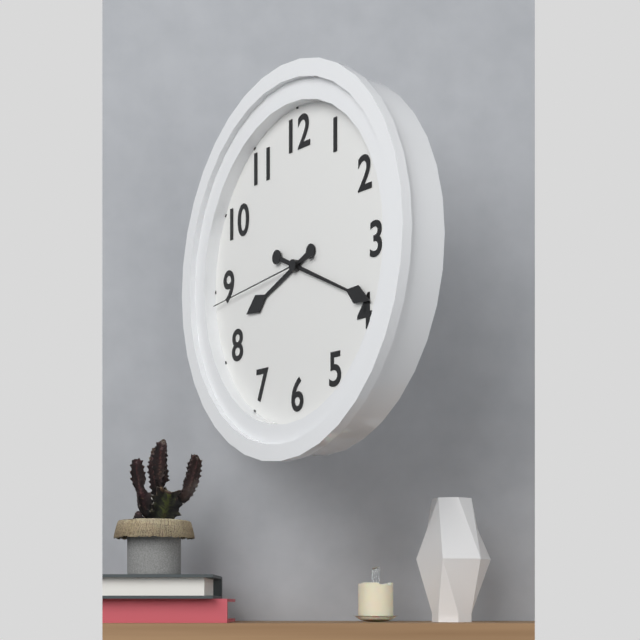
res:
8.19.44
